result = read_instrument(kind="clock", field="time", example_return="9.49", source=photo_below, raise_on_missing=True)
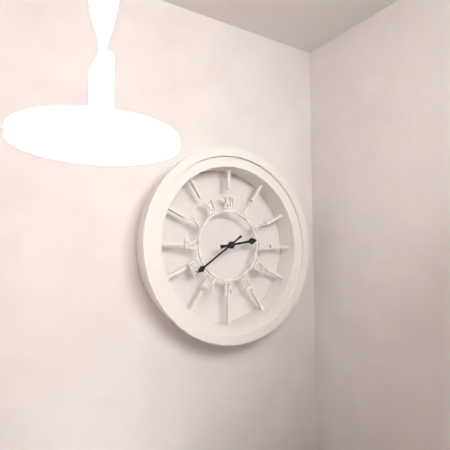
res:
2.39
